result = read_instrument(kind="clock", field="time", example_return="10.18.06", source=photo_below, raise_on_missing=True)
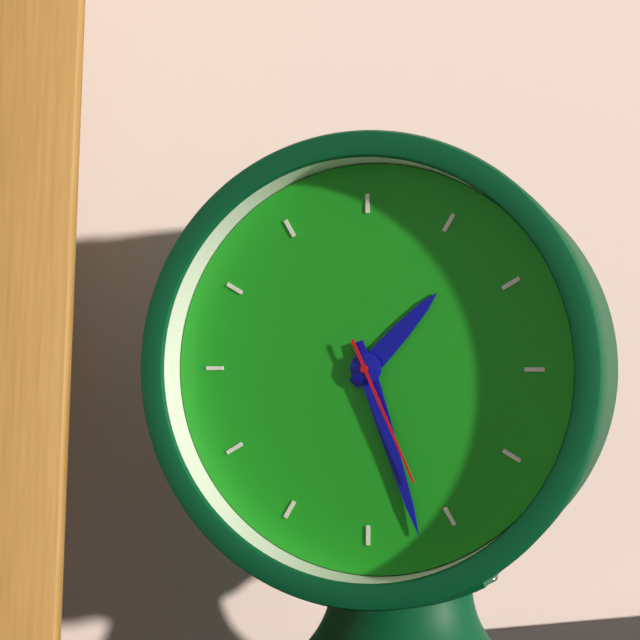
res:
1.27.26
